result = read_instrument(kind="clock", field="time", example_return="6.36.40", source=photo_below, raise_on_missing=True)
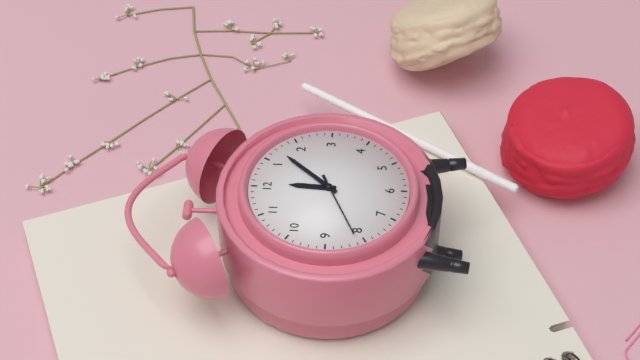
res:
12.07.41
